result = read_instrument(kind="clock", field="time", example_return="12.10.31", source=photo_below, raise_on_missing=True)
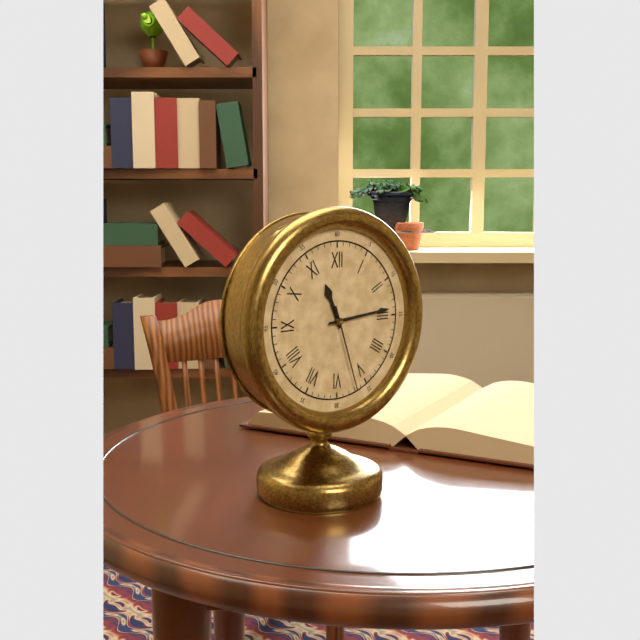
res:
11.14.27
